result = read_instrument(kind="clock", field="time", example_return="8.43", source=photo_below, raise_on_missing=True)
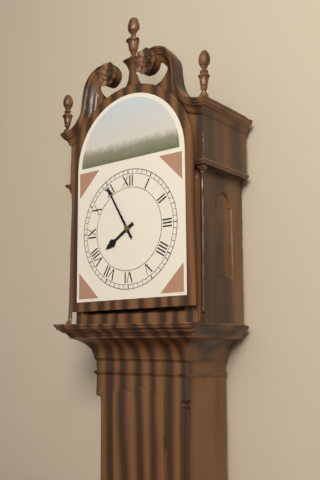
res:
7.55
